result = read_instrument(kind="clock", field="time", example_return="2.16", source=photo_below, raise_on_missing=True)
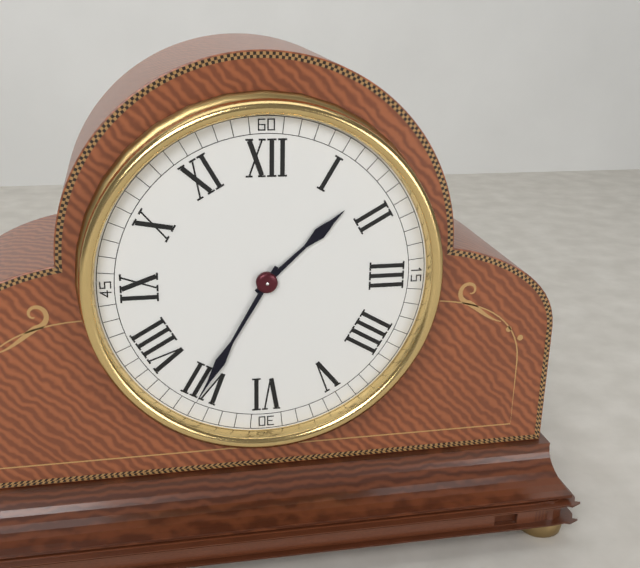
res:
1.35
